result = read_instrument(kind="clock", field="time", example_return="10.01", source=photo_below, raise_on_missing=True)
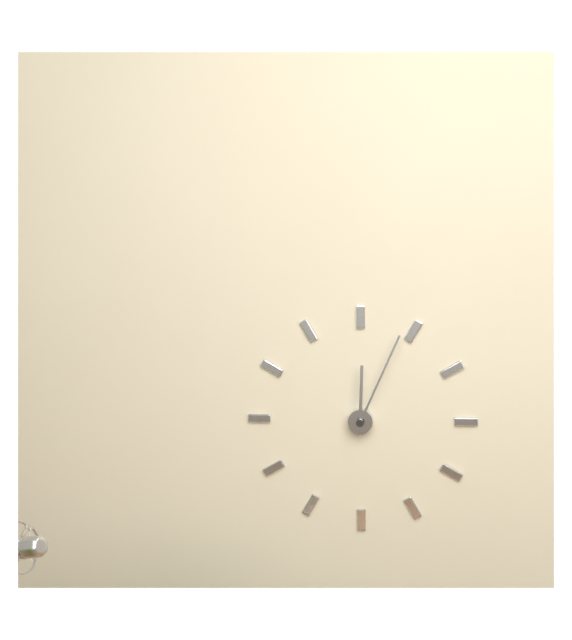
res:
12.04
